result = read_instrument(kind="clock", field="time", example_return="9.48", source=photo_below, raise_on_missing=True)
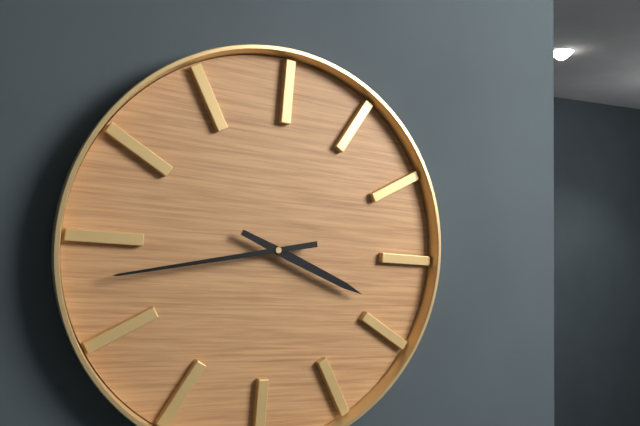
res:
3.43
